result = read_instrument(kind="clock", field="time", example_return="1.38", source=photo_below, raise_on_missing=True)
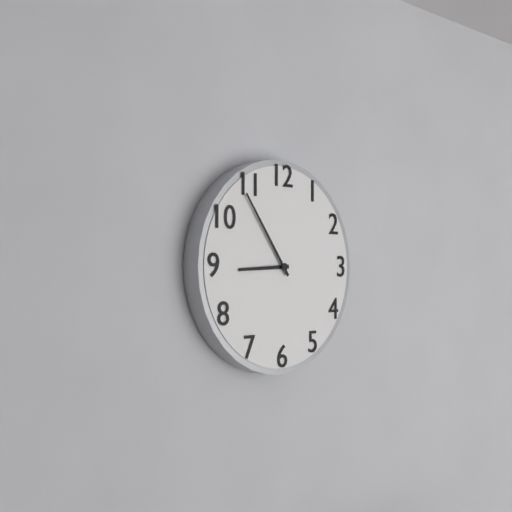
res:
8.54
